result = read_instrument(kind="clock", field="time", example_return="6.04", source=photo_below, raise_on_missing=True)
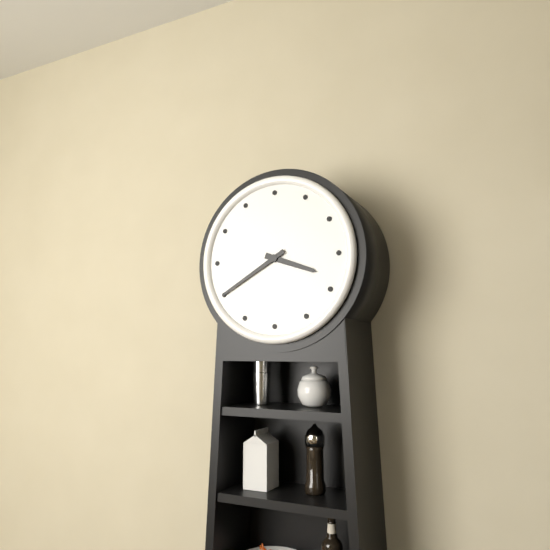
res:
3.40
